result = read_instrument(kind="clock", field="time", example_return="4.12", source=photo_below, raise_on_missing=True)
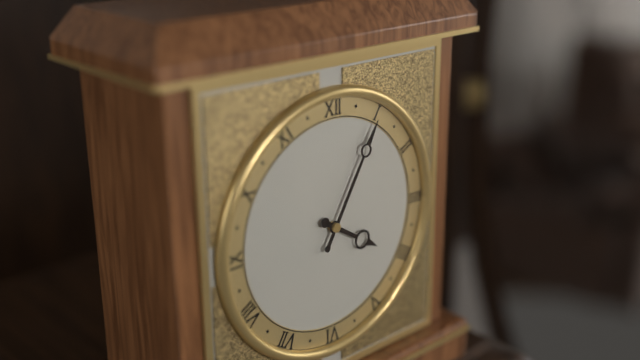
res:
4.05
